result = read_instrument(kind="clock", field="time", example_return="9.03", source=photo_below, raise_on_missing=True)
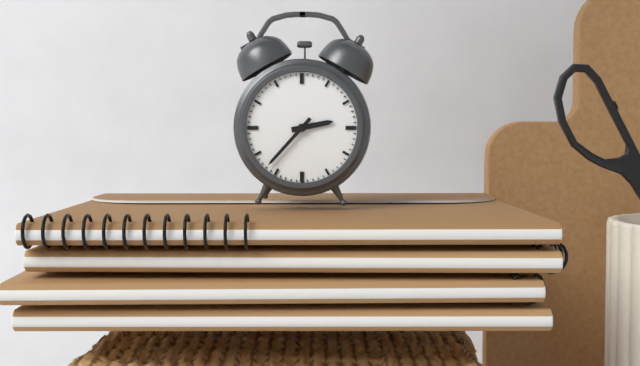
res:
2.37
